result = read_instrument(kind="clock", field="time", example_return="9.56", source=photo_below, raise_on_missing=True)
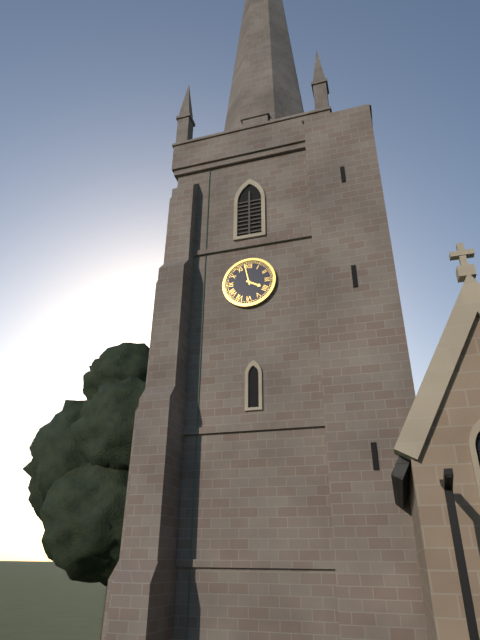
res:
3.58
